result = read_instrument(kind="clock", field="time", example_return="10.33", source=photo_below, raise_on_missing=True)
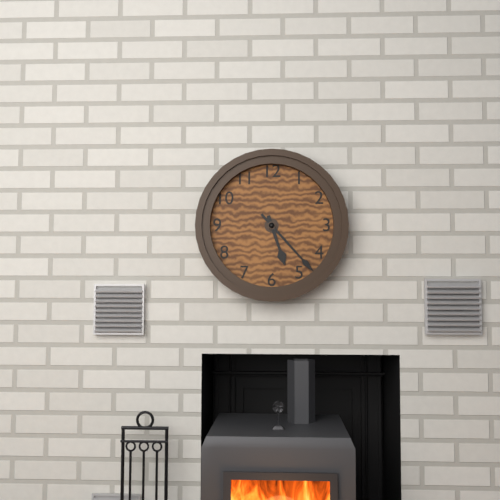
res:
5.23
